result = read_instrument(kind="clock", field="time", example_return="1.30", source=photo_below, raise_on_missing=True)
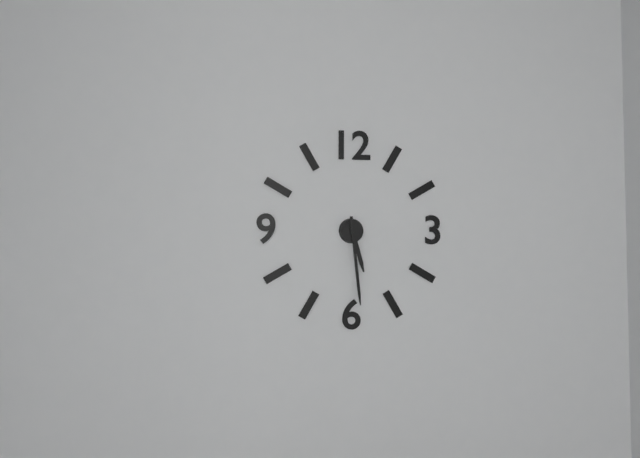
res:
5.29
